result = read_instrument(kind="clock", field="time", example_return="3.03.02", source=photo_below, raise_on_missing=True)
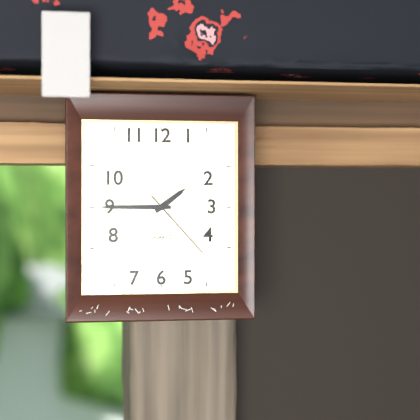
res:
1.45.23
